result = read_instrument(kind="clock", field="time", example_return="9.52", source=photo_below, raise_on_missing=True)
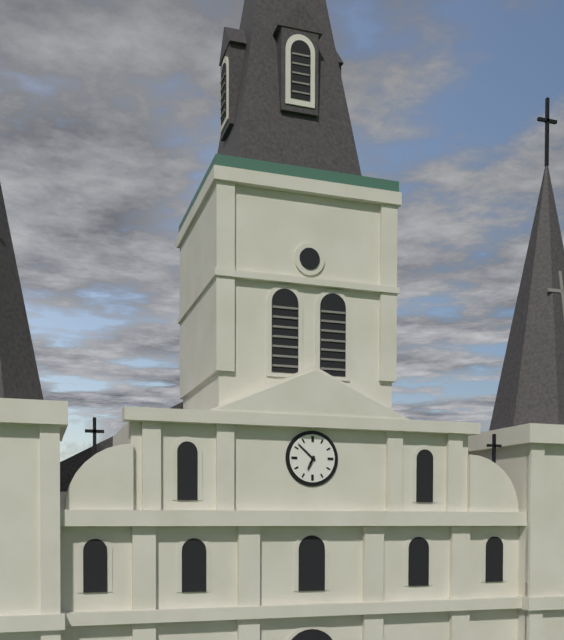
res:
6.52
